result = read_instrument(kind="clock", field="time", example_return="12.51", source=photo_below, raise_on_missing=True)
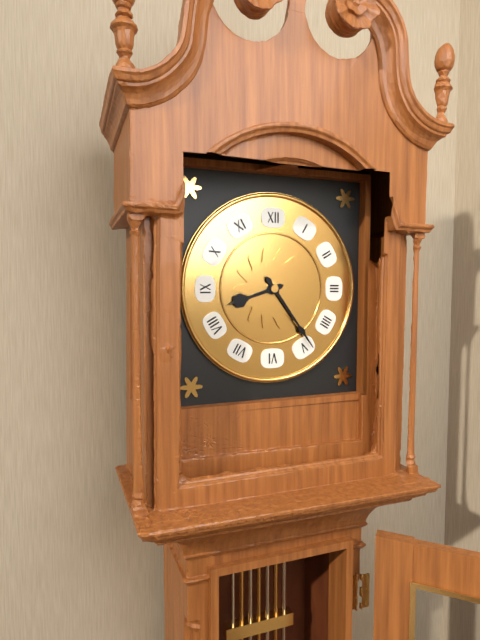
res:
8.24
